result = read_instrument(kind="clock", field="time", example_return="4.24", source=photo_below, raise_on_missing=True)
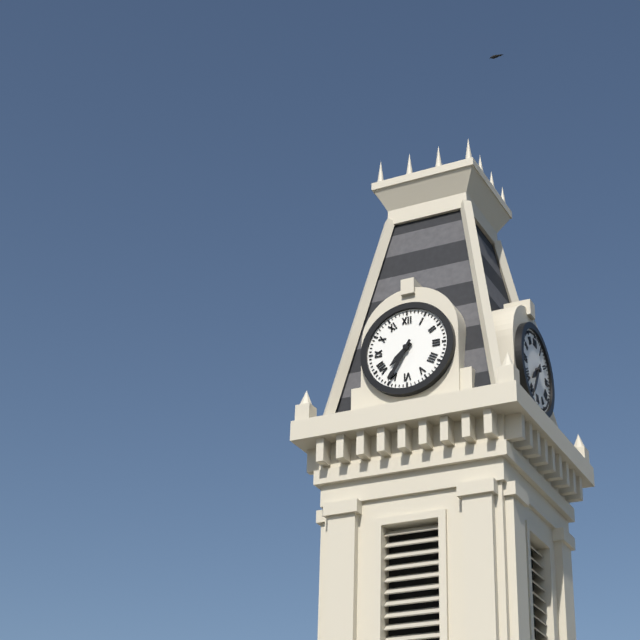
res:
7.35
